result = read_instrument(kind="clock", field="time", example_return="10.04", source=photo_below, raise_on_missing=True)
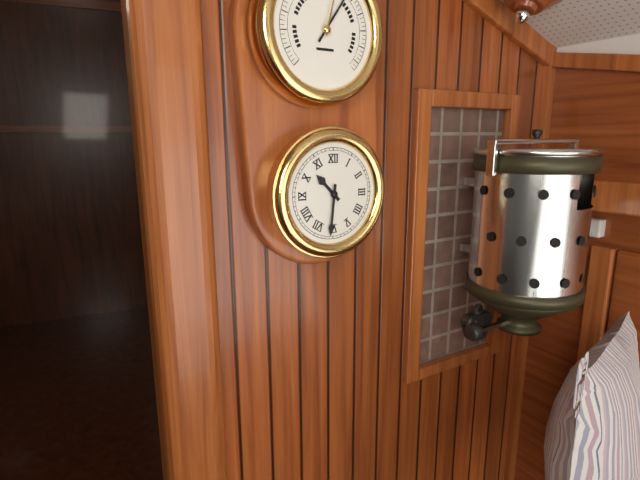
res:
10.31
